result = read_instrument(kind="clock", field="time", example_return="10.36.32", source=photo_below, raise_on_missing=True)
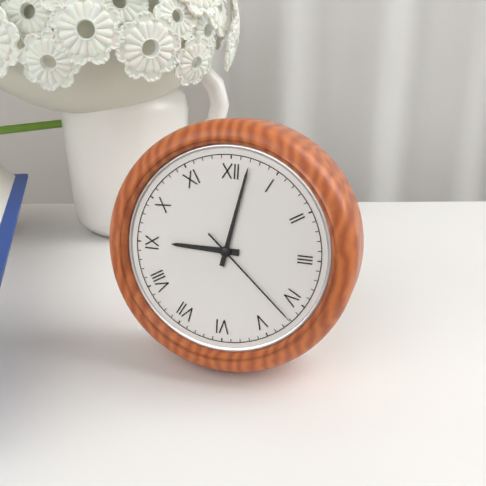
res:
9.02.22
